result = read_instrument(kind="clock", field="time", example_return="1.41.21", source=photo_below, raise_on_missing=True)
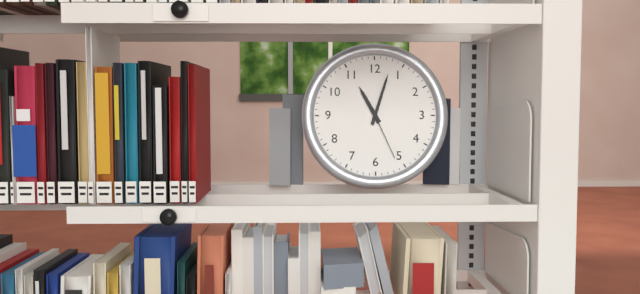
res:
11.03.26
